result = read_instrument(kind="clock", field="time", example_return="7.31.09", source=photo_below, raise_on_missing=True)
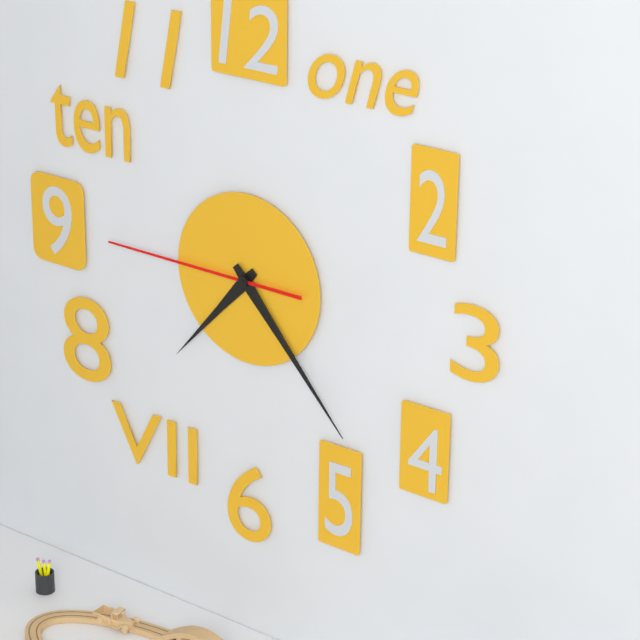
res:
7.23.45
